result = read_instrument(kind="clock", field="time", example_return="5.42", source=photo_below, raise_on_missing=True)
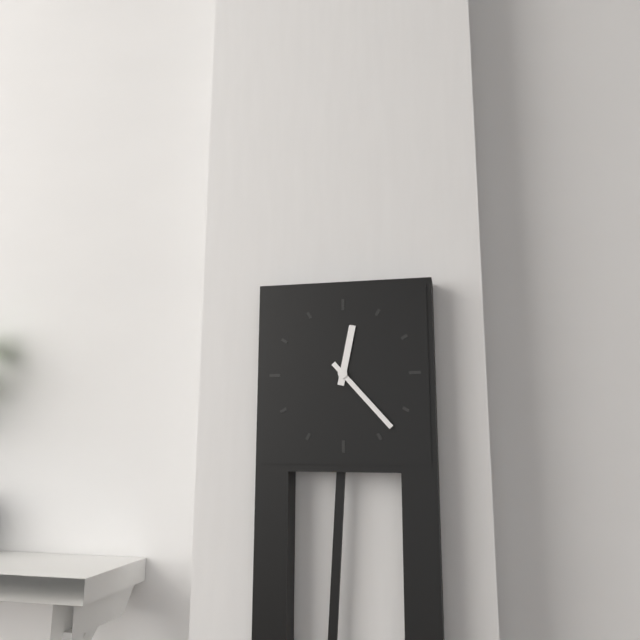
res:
12.23
